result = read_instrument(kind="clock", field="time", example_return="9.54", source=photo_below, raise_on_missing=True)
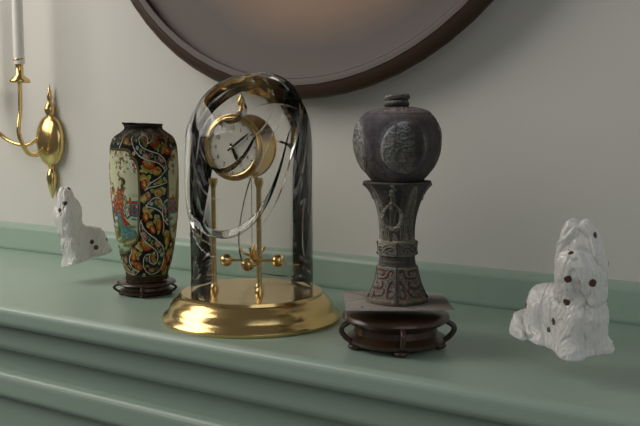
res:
5.09
